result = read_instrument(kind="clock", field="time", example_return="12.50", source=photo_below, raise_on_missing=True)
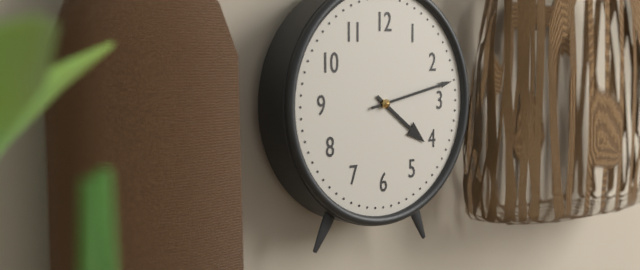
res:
4.13
